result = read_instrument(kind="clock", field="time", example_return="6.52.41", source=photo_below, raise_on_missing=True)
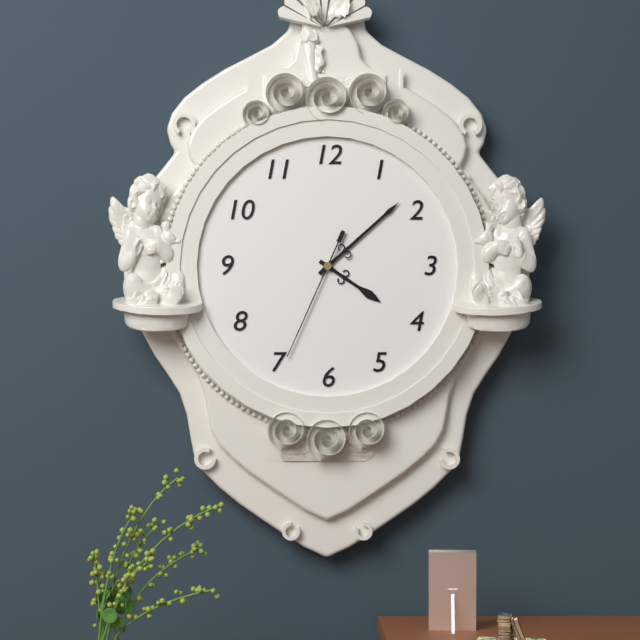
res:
4.08.34
